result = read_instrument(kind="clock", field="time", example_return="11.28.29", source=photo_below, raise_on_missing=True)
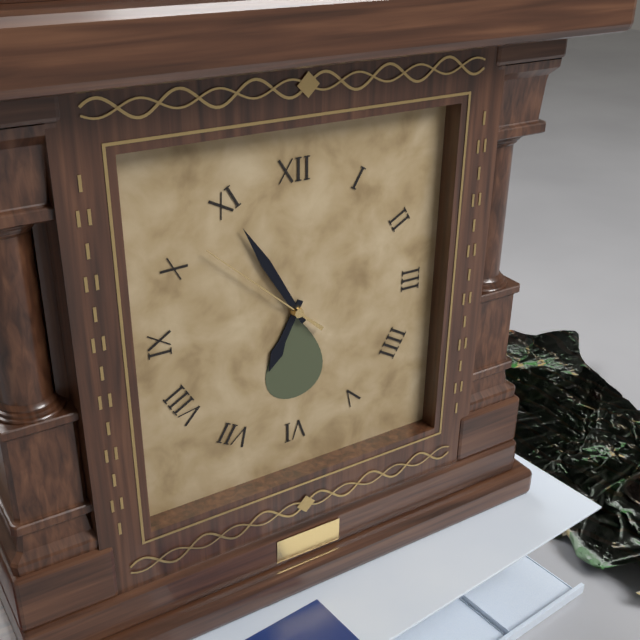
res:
6.55.52
